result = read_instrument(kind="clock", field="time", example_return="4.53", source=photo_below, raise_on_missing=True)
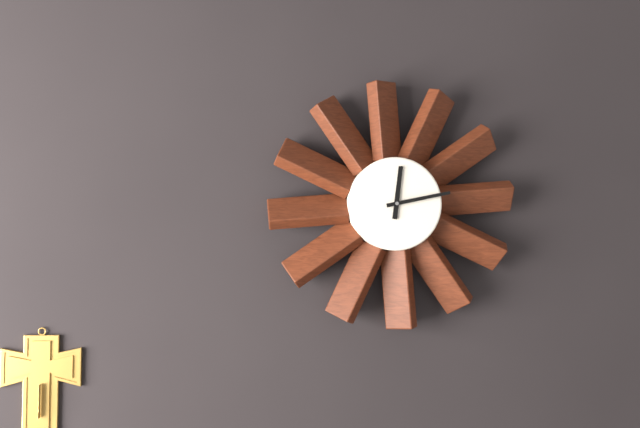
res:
12.13
